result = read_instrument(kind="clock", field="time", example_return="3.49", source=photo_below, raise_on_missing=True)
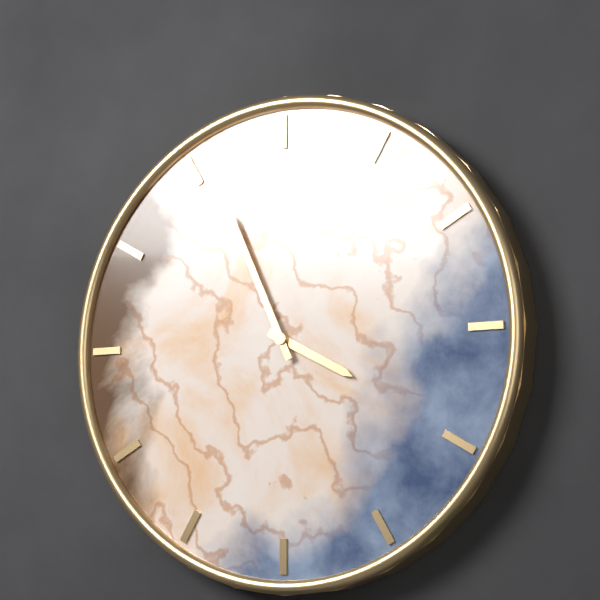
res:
3.56
